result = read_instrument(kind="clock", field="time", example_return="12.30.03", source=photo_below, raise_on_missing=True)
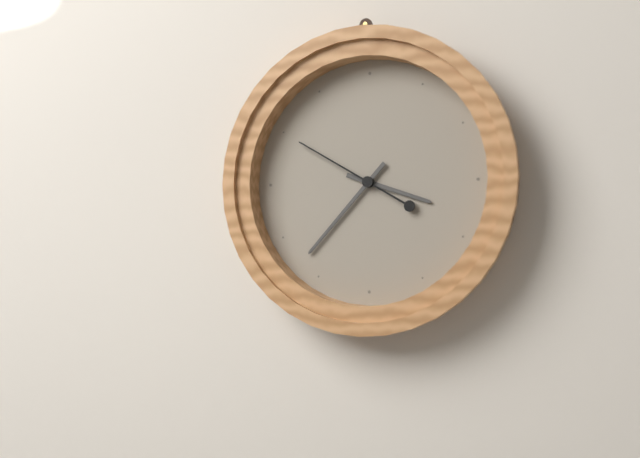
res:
3.37.50
